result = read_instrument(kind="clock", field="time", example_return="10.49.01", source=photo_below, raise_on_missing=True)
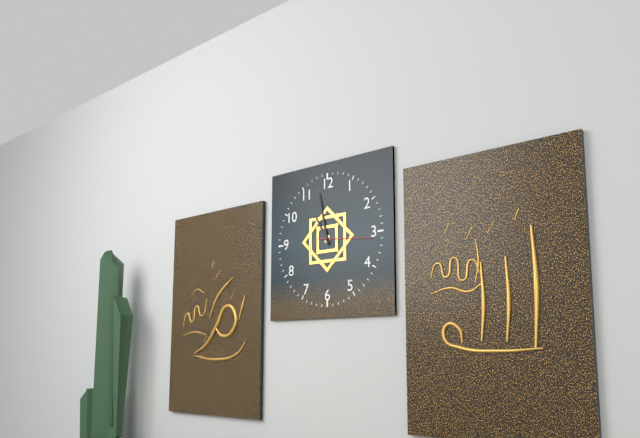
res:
10.58.16
